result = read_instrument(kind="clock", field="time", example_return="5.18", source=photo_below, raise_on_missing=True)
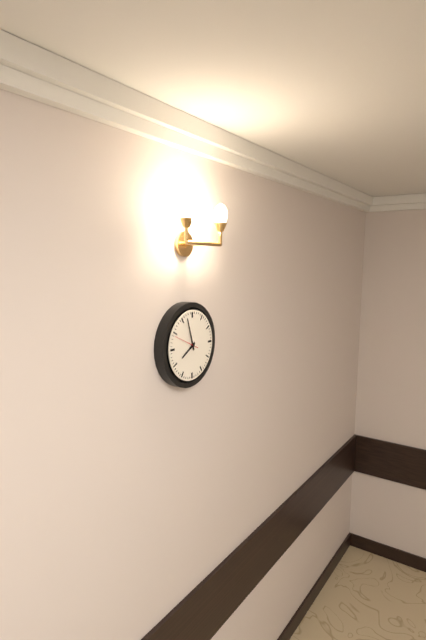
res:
7.57
